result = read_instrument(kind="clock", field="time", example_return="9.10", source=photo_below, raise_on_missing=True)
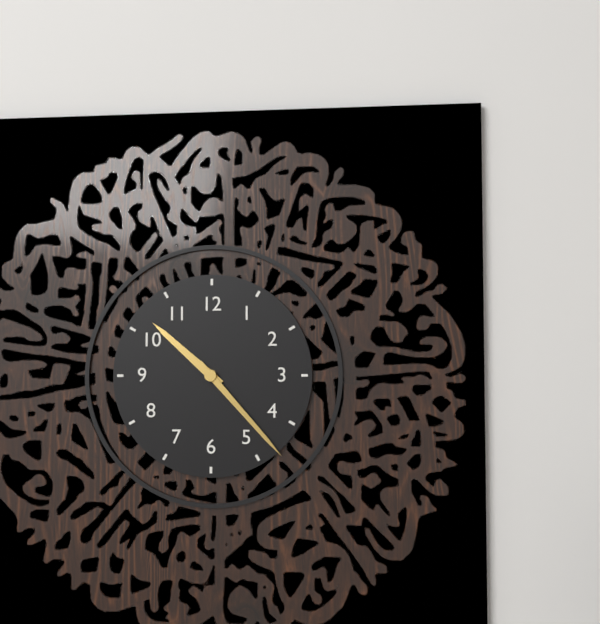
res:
10.23
